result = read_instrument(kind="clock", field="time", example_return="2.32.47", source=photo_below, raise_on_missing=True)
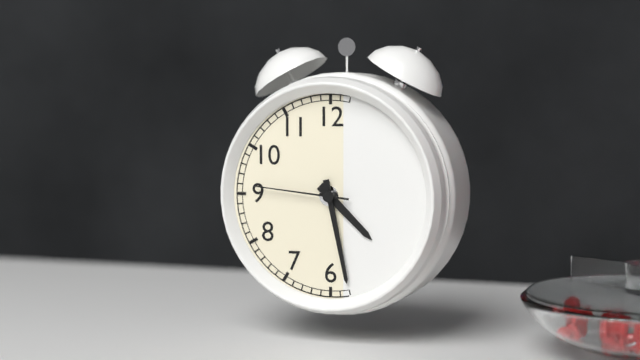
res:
4.28.46
